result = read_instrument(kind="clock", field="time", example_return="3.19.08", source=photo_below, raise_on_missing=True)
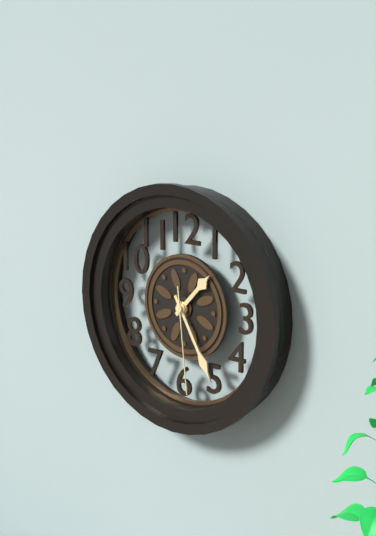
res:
1.25.29
